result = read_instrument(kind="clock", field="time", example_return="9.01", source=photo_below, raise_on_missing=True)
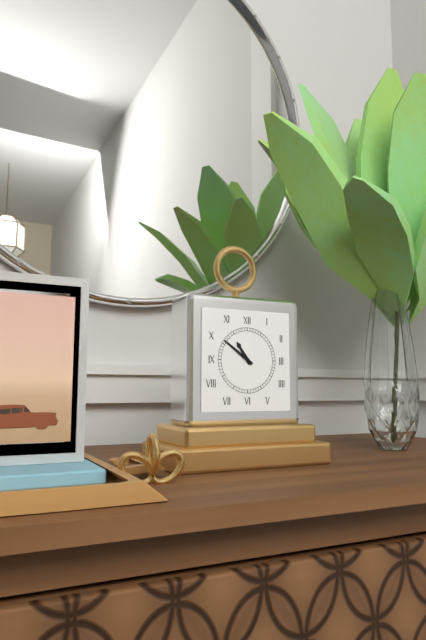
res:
10.51
